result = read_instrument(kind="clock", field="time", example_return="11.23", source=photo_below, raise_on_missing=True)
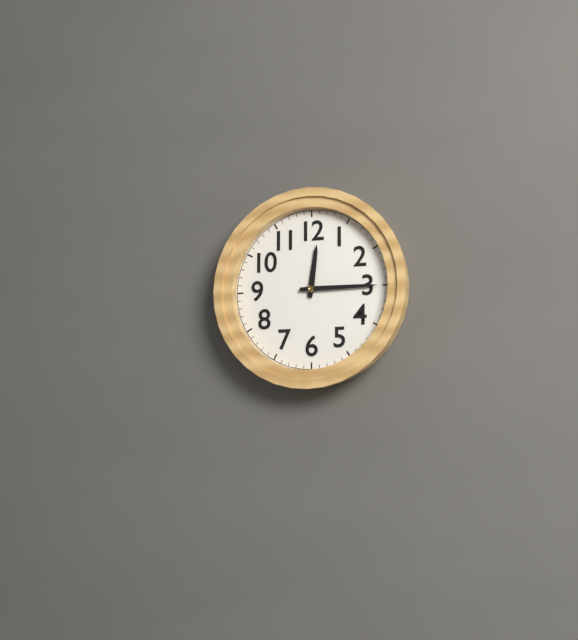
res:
12.15
